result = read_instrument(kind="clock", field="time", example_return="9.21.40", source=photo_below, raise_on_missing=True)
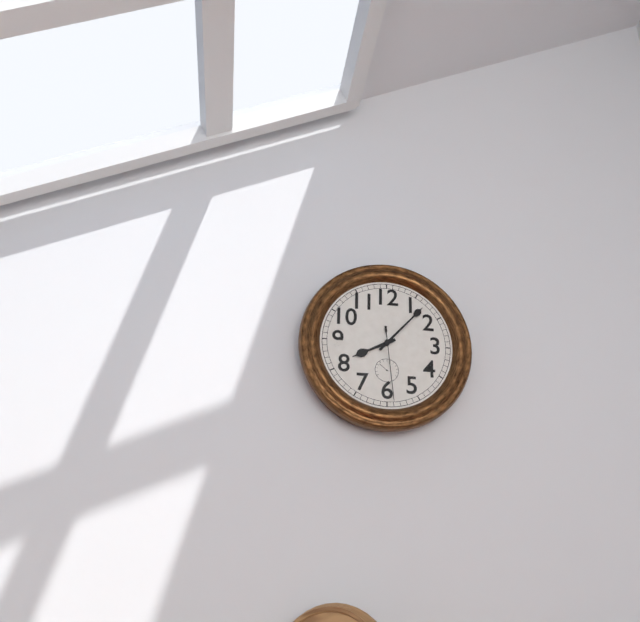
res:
8.07.29
